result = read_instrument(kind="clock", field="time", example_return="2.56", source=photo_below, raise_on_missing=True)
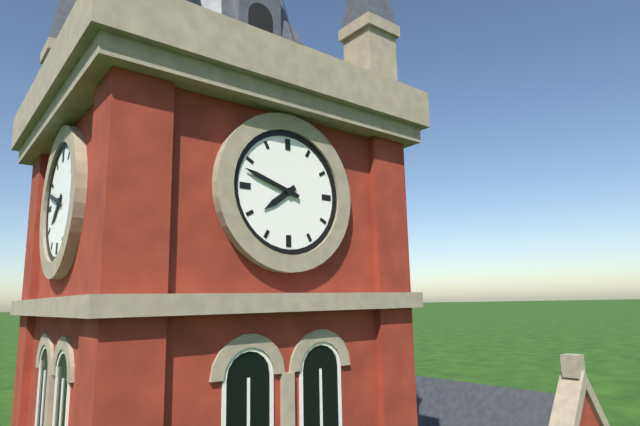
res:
7.48
